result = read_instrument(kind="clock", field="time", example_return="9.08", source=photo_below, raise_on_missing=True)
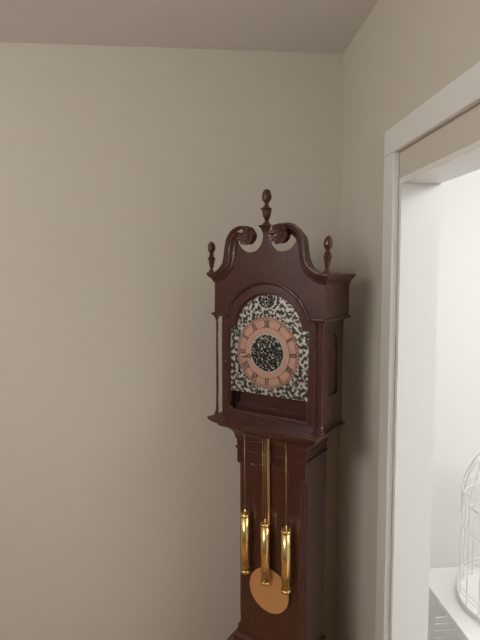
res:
4.43
